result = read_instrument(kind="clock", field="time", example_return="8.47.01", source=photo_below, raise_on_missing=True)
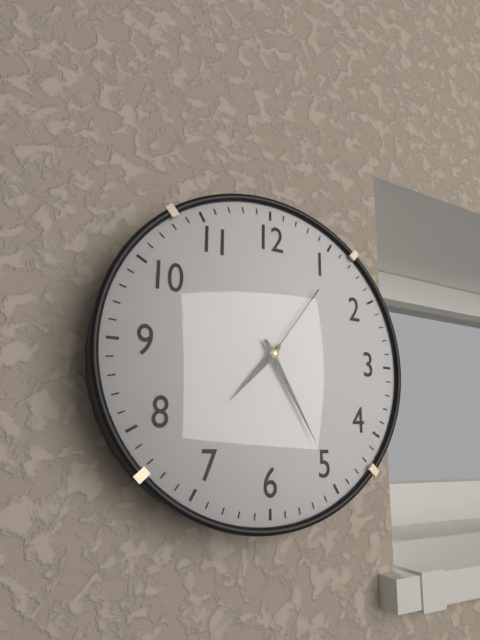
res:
7.25.06
